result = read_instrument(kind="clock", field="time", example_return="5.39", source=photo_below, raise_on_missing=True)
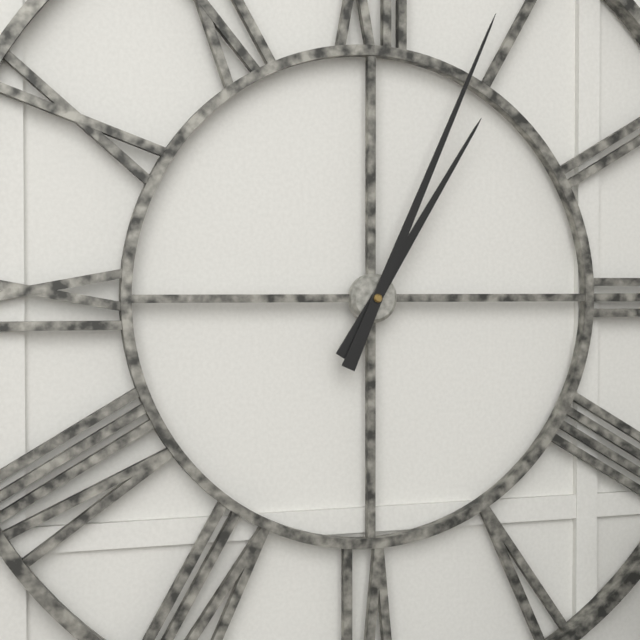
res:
1.04
